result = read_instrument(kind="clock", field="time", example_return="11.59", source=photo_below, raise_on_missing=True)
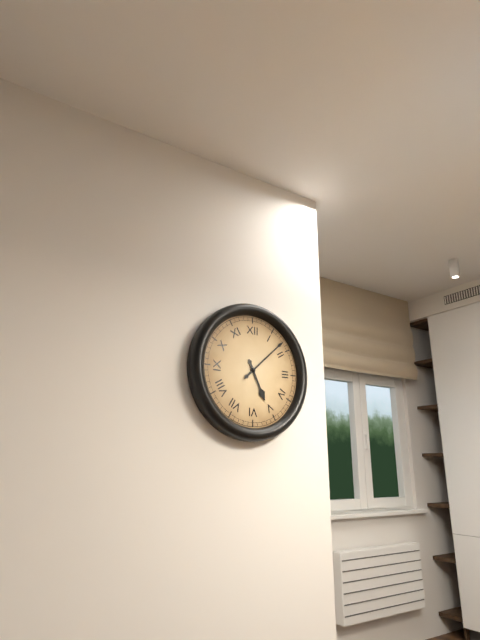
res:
5.08
